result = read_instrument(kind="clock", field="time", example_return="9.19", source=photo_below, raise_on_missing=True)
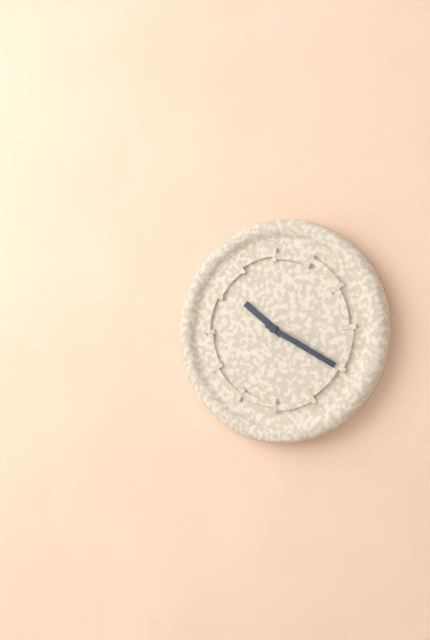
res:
10.20
